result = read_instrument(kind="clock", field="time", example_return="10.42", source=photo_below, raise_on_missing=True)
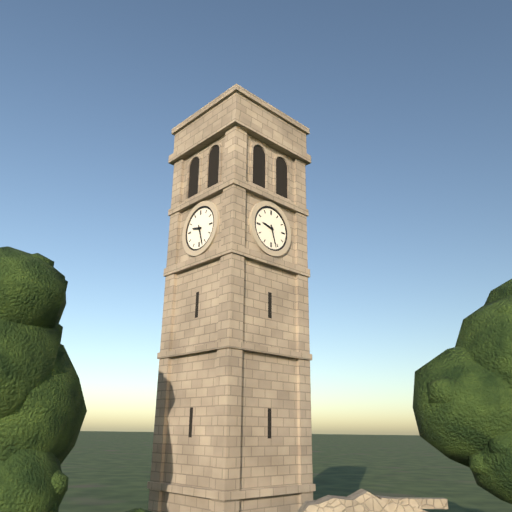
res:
9.27
